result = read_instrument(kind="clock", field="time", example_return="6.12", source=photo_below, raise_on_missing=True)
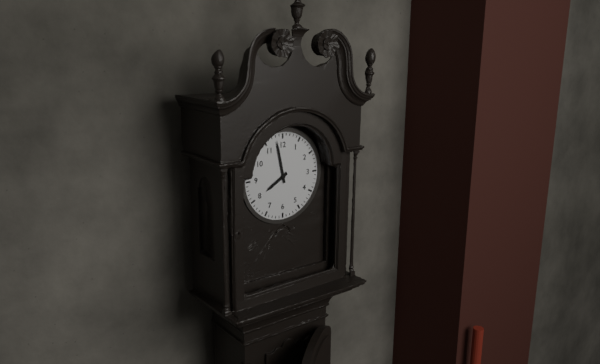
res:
7.58
